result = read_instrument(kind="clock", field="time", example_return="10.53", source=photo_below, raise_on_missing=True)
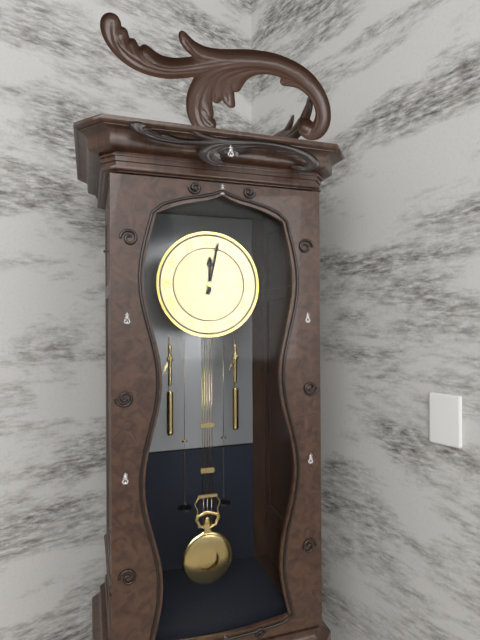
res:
12.02
